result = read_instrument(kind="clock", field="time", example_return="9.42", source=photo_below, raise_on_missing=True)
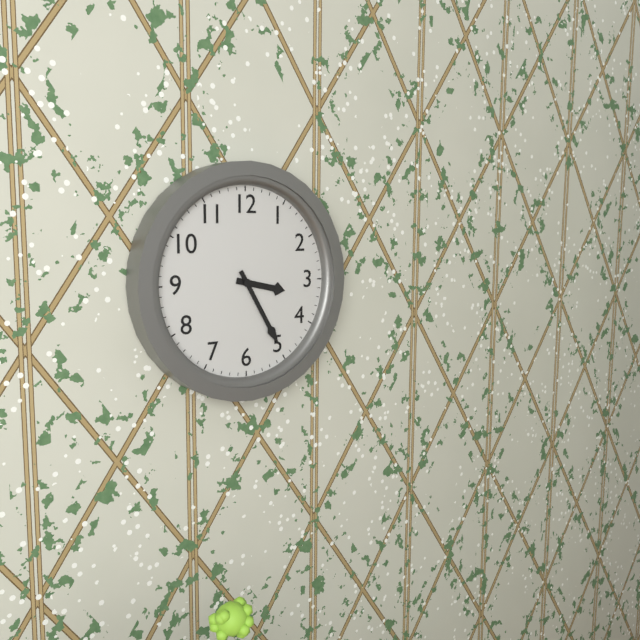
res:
3.25
